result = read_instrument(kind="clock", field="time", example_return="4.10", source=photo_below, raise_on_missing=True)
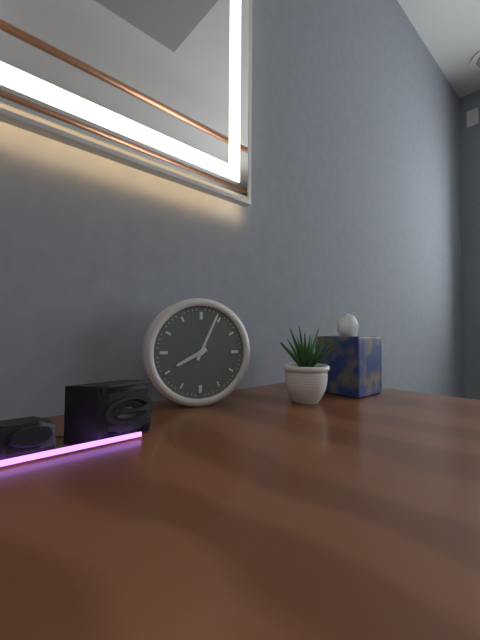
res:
8.04
